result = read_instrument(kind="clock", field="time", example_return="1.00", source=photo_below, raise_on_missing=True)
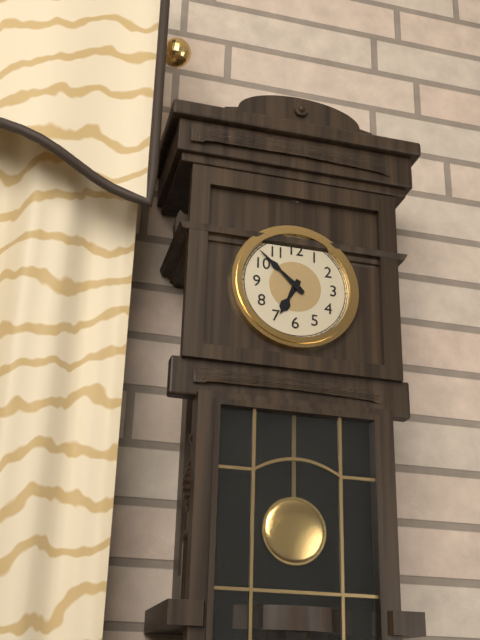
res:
6.52
